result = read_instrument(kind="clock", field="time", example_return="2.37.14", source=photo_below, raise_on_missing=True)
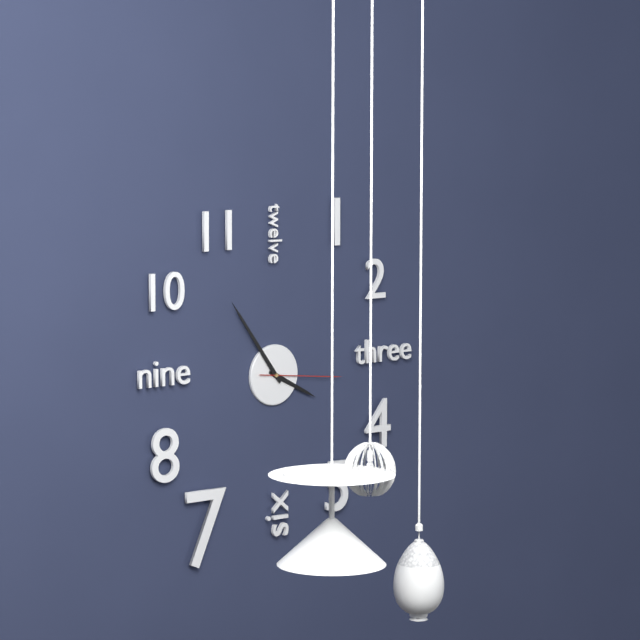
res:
3.54.16
